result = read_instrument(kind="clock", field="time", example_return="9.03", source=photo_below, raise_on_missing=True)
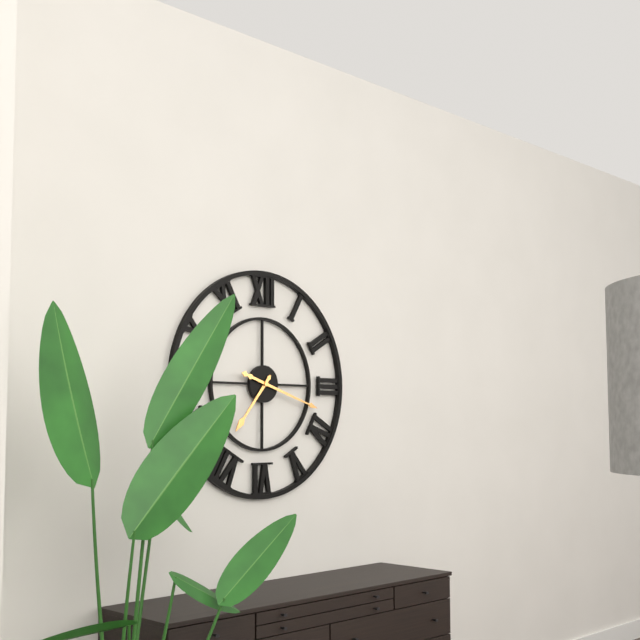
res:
7.18
